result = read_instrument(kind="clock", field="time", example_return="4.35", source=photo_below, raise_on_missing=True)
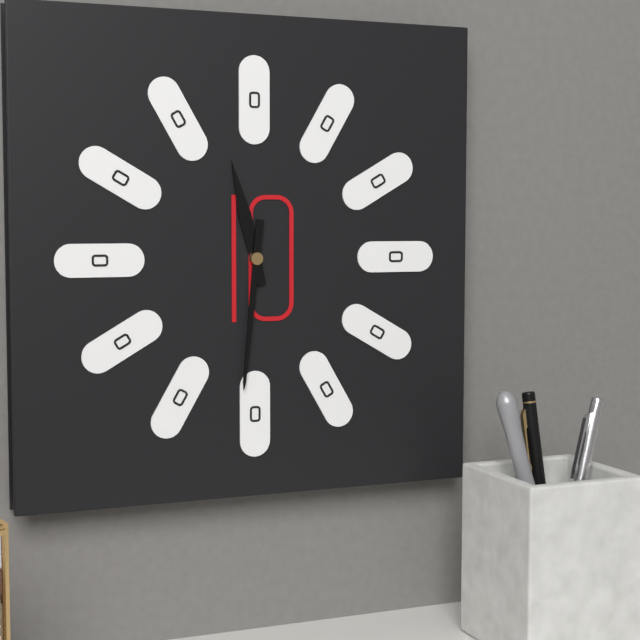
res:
11.31
